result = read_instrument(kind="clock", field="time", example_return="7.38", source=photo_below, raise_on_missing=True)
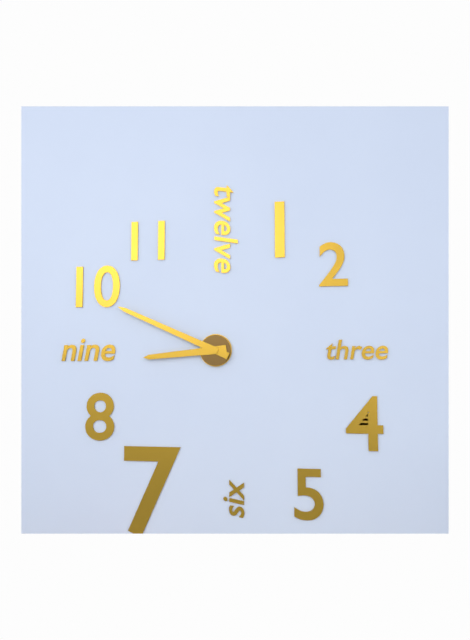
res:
8.49
